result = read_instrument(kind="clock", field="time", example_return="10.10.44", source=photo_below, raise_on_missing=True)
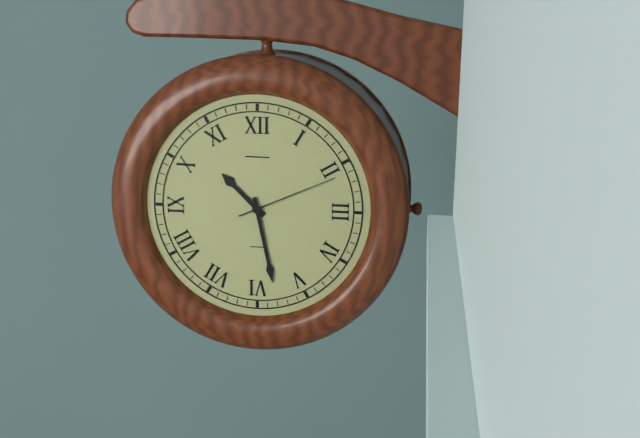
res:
10.28.11
